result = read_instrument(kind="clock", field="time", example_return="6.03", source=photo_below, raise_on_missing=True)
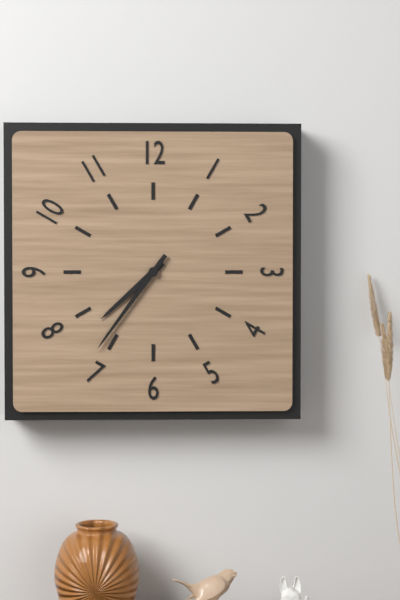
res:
7.36
